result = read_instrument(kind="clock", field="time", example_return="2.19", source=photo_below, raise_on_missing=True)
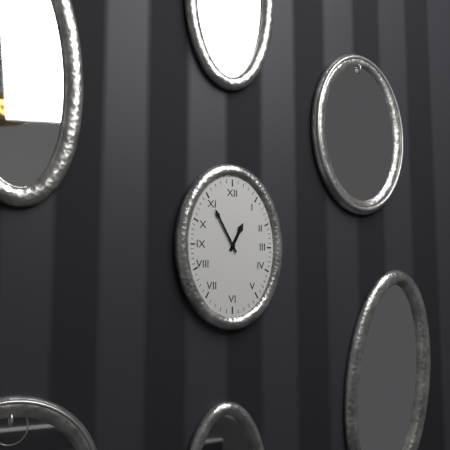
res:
12.55
